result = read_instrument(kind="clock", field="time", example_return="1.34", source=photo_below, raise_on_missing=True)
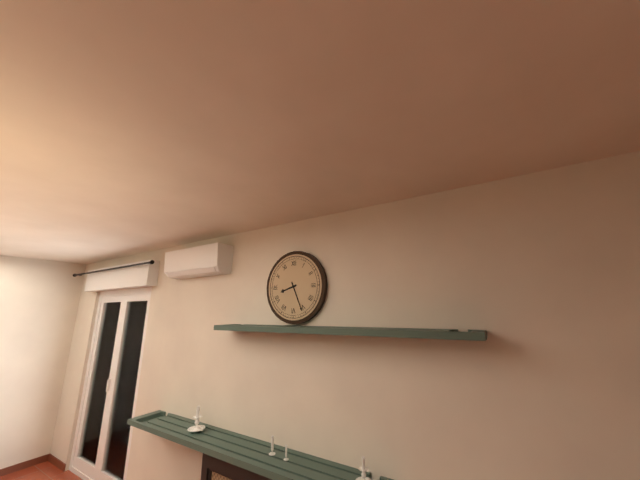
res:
8.26
